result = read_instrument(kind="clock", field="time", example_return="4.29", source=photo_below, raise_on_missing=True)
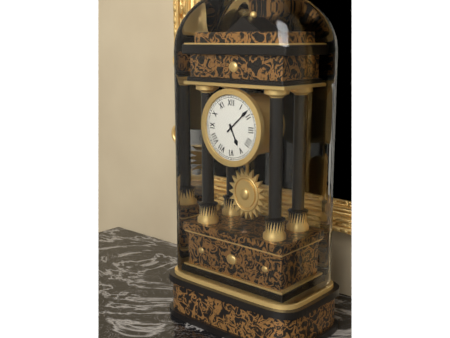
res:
5.08
